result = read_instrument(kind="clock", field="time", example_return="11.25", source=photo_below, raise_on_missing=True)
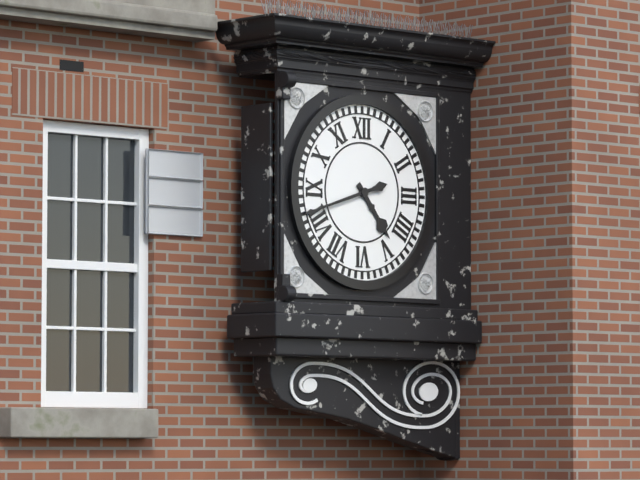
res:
4.42
